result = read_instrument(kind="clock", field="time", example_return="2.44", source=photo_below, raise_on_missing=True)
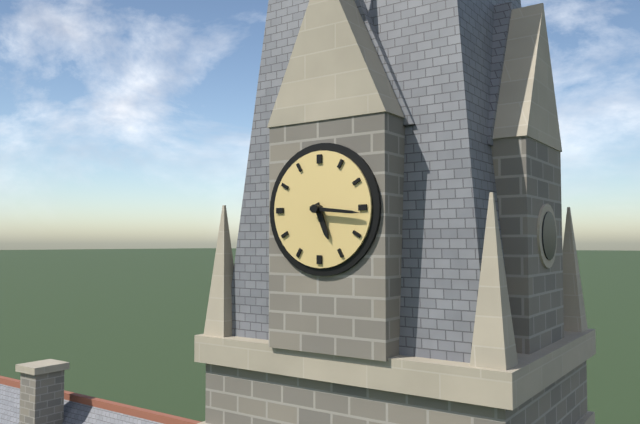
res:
5.16
